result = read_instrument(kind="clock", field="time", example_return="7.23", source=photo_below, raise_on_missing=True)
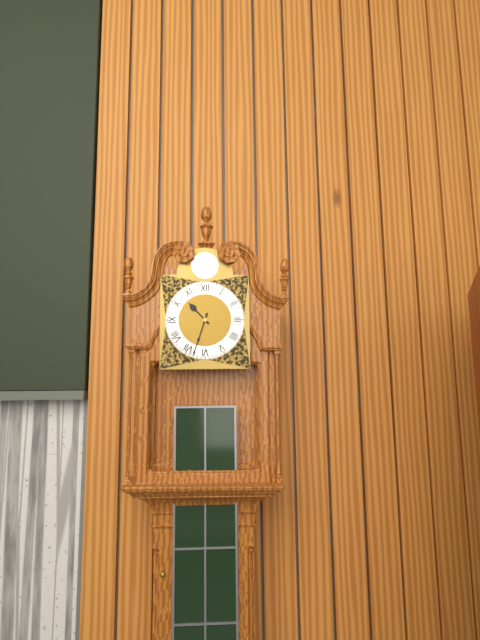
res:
10.33
